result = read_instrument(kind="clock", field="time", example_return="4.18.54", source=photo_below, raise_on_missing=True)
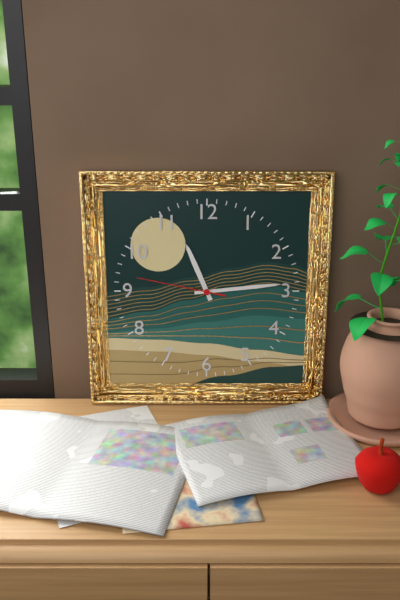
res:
11.14.47
